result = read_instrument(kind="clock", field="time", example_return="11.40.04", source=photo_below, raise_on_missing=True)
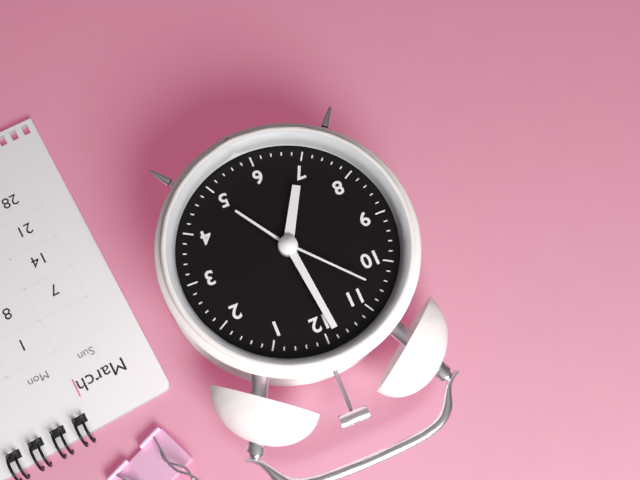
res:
6.59.53
